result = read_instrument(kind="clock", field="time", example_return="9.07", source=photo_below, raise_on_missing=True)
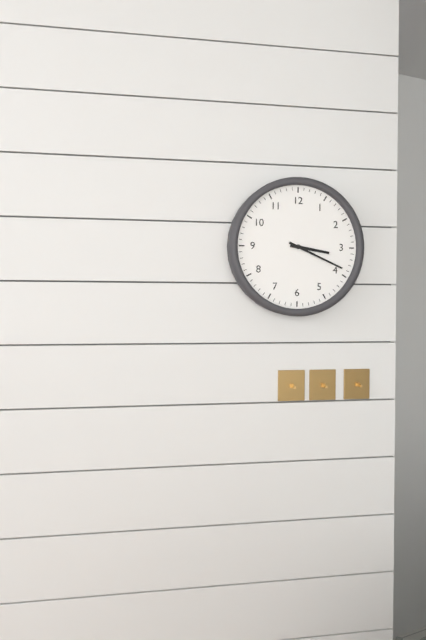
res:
3.19
